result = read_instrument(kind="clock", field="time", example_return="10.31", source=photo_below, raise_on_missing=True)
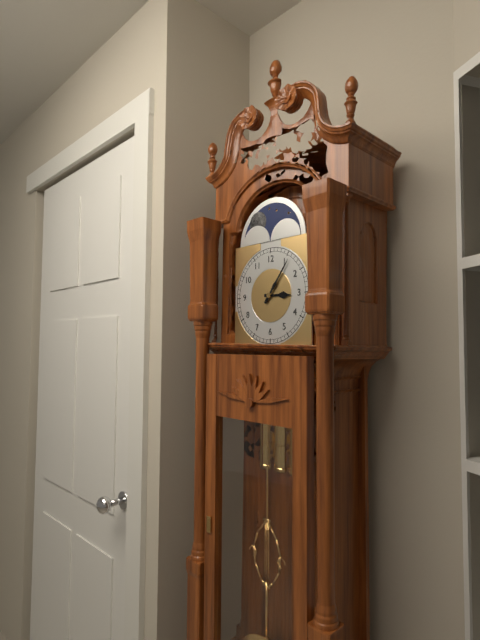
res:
3.06
